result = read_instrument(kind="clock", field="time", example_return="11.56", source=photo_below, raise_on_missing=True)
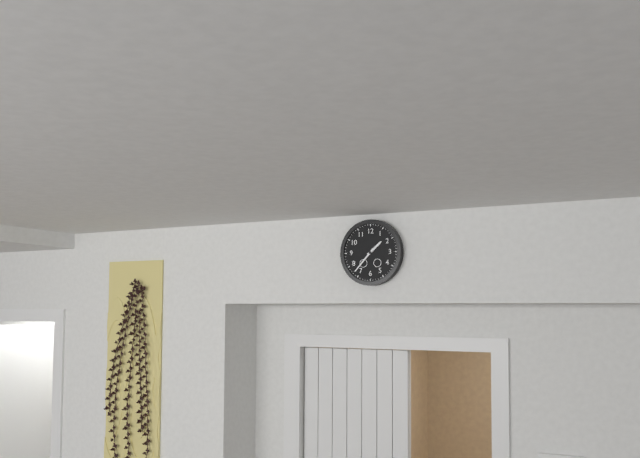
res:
1.37
